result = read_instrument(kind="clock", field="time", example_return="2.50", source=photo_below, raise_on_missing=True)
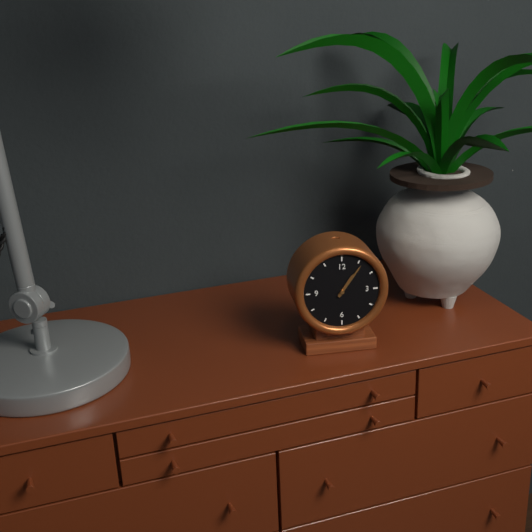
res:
1.06
